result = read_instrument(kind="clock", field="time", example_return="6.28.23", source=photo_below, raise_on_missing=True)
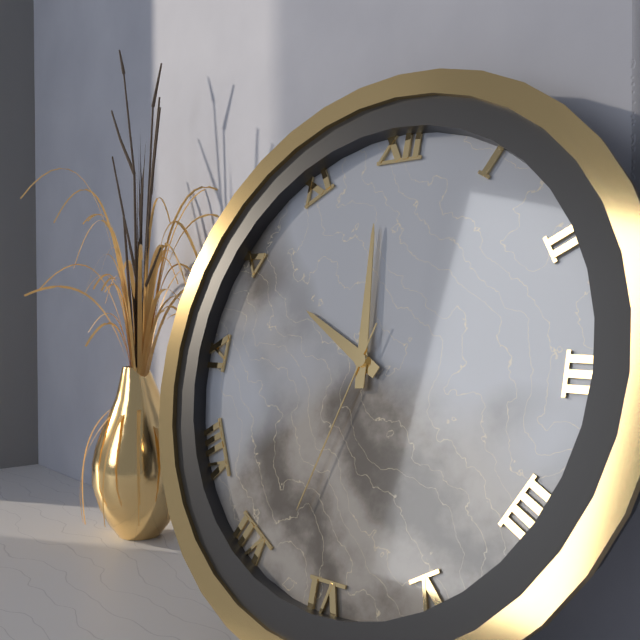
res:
9.59.33
